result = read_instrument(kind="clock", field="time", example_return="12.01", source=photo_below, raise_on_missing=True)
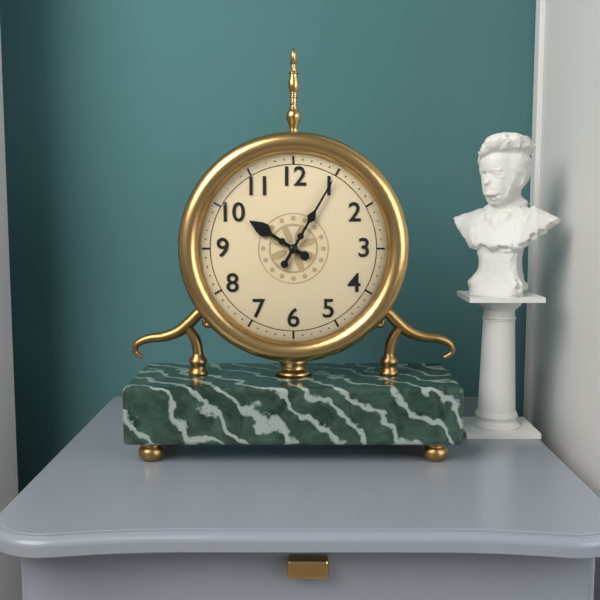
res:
10.05
